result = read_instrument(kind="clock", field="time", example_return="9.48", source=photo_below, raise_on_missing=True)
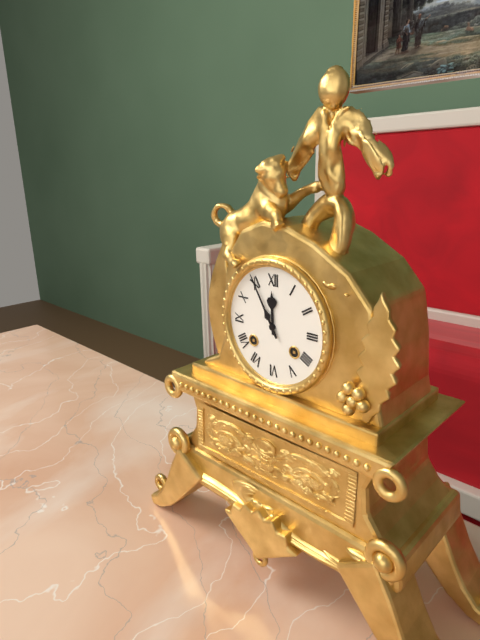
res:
11.55
